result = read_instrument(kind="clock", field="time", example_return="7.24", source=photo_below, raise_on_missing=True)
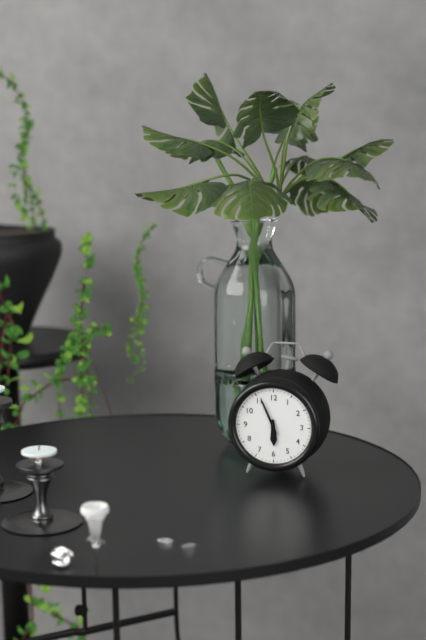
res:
5.56
